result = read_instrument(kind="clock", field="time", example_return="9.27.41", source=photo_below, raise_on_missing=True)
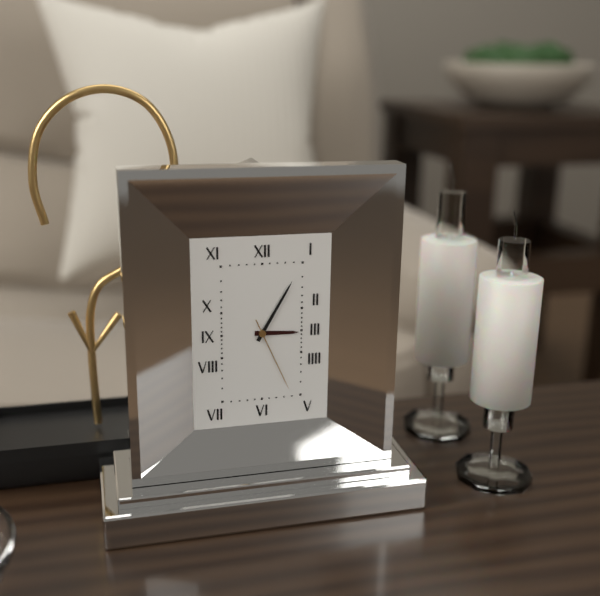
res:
3.05.26
